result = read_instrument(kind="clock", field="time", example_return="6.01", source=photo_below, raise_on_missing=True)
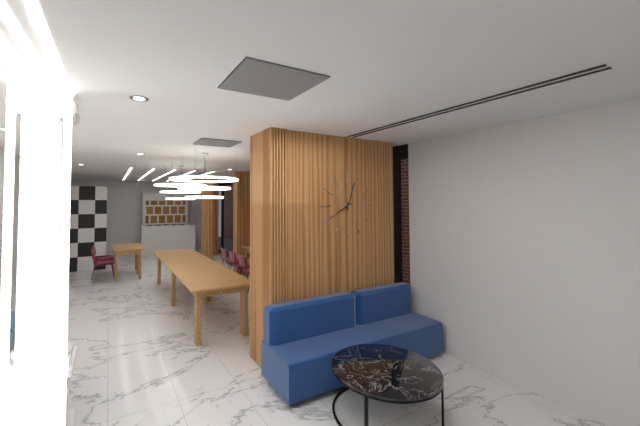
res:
8.03
